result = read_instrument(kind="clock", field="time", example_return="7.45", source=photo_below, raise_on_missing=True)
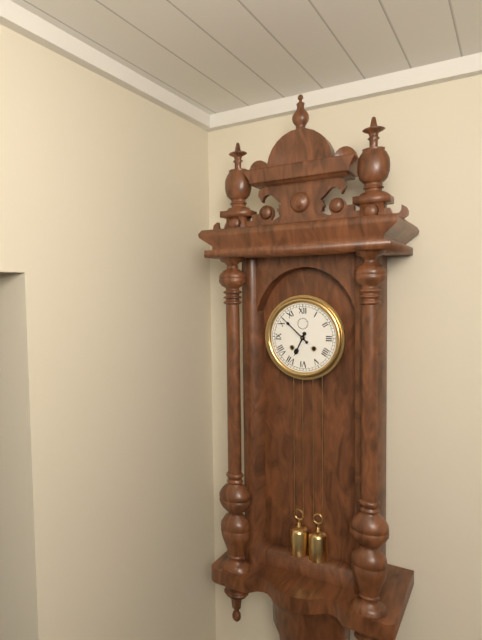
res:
6.52
